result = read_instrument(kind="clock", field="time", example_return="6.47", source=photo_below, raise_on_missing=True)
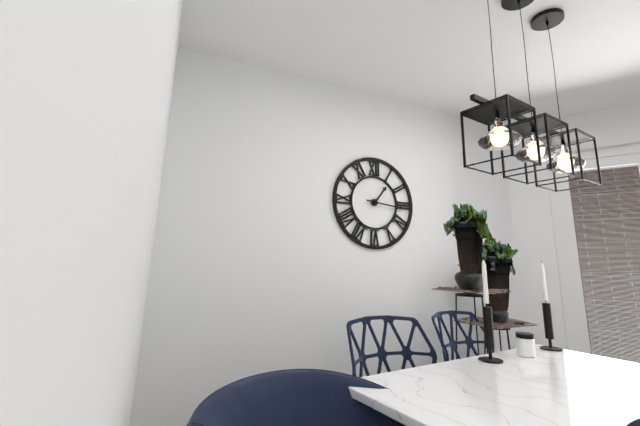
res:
1.16
